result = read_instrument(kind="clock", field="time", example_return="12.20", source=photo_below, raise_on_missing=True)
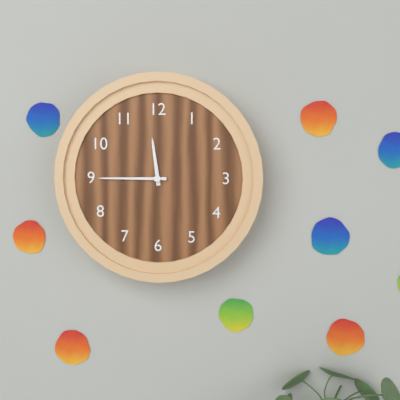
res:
11.45
